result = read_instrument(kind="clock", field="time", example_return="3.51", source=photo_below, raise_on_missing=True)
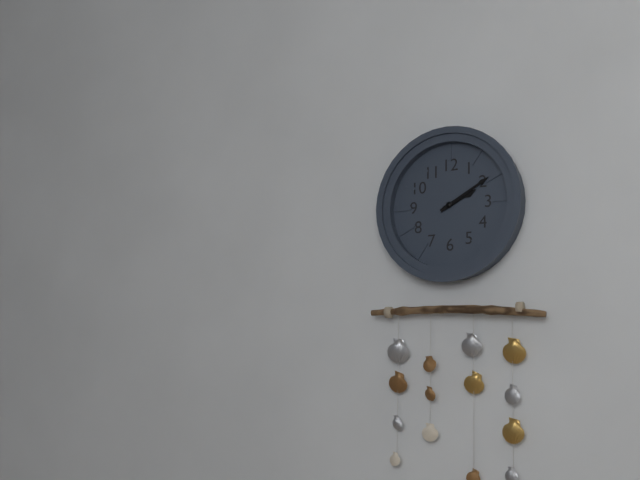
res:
2.10
